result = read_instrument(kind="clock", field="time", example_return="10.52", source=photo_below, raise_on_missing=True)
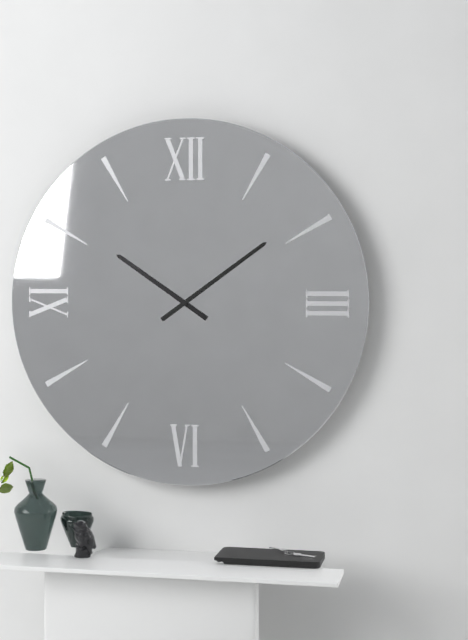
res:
10.09
